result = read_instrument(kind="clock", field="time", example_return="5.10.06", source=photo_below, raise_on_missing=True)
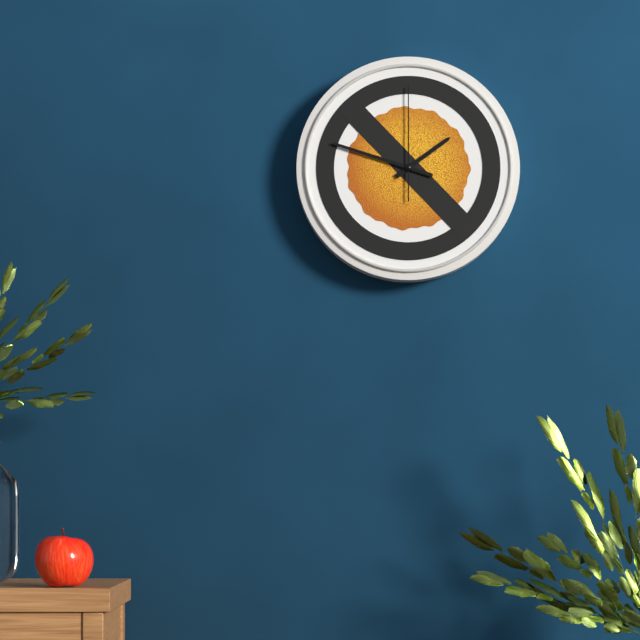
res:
1.48.00
